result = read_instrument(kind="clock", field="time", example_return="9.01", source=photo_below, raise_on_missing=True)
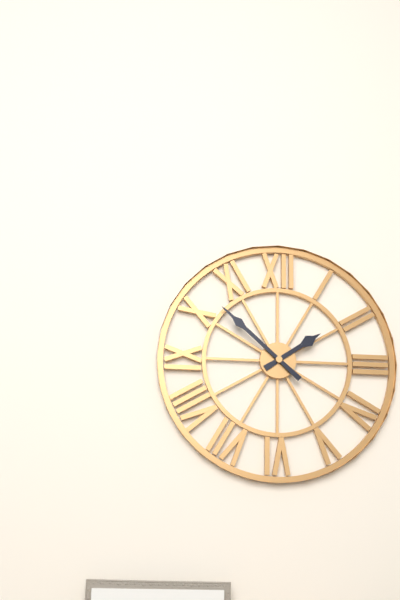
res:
1.52
